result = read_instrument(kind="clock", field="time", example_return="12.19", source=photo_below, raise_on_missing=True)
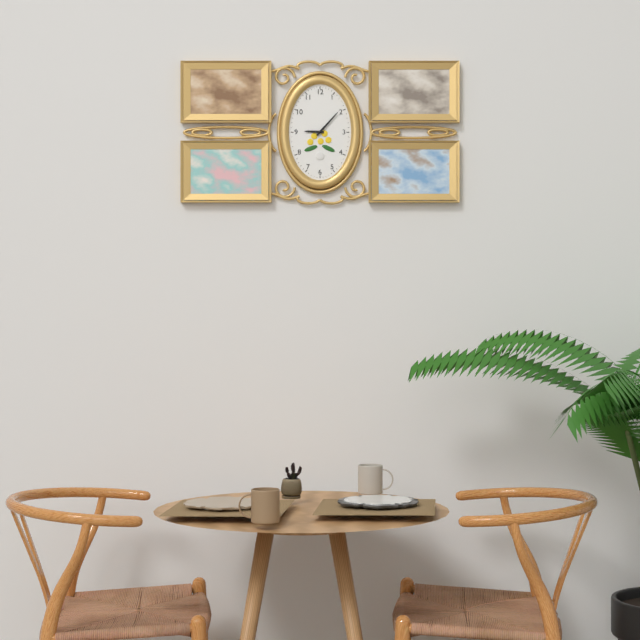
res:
9.07
